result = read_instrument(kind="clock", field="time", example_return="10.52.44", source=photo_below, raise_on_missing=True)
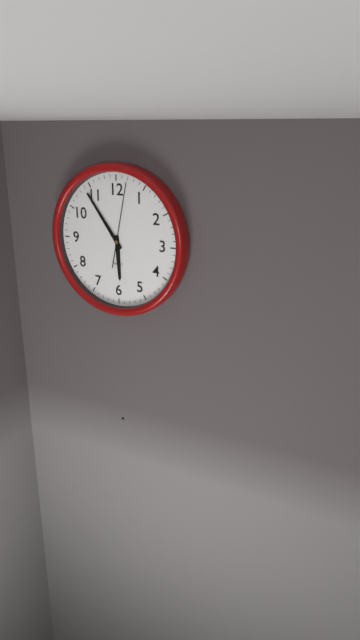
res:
5.54.02
